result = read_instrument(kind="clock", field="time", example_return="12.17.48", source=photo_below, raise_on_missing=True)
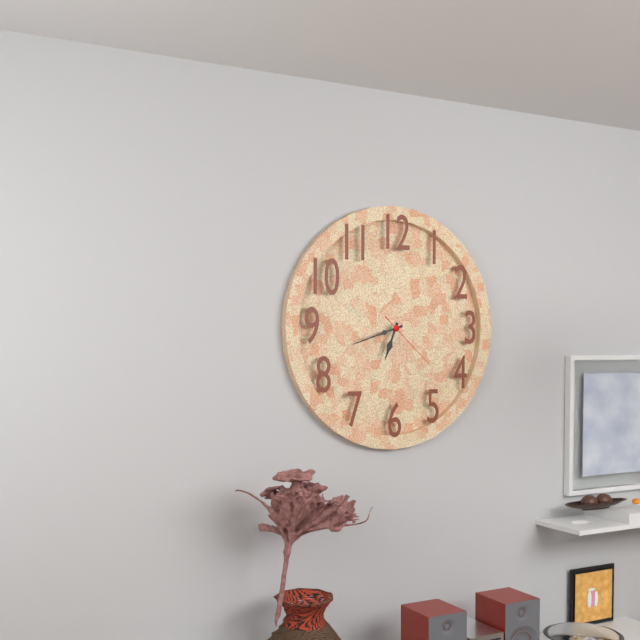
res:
6.42.22
